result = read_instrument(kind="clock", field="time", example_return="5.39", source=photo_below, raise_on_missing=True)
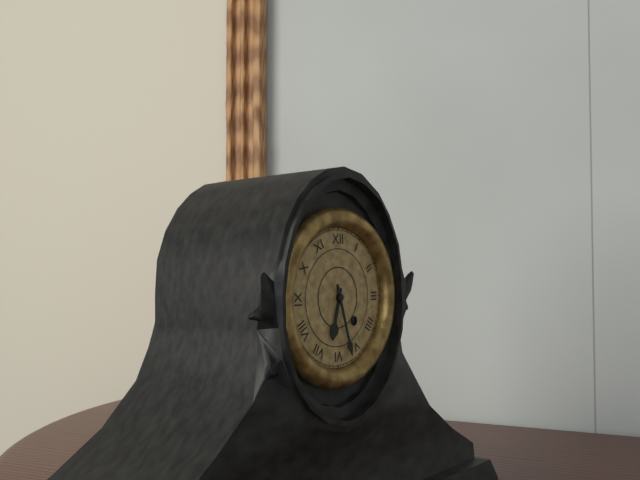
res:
6.27
